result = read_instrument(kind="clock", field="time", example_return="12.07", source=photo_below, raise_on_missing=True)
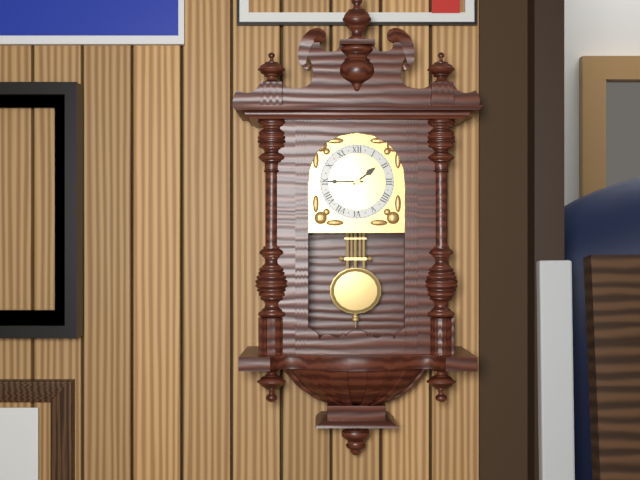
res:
1.45
